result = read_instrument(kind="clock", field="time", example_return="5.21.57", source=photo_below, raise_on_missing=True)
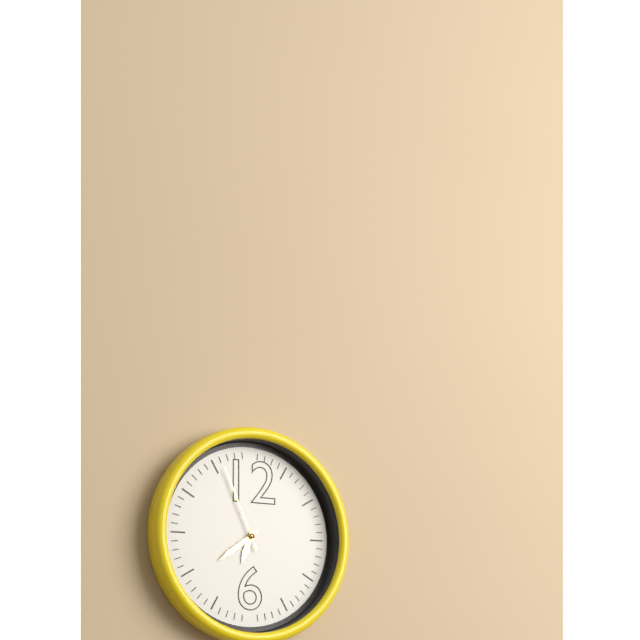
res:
6.39.56
